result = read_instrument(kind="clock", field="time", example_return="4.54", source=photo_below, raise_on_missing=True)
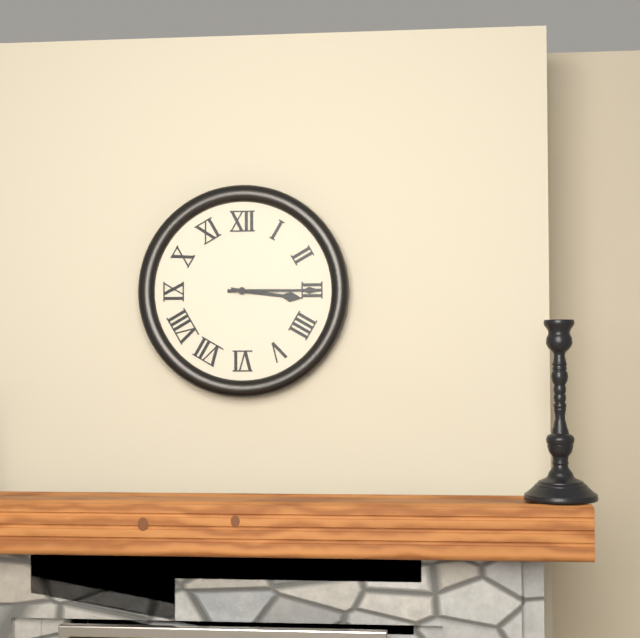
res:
3.15
